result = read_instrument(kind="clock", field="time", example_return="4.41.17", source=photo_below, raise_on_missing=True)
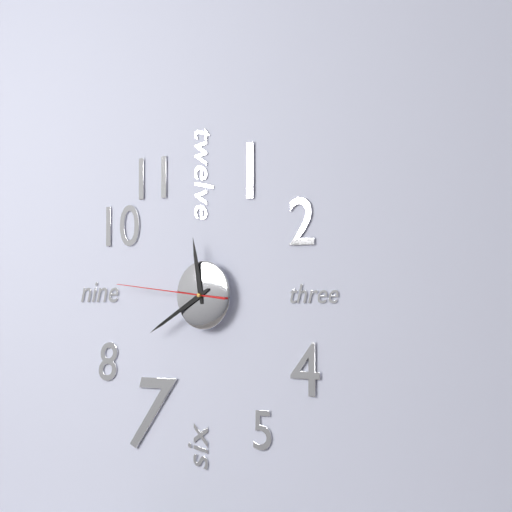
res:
11.40.46
